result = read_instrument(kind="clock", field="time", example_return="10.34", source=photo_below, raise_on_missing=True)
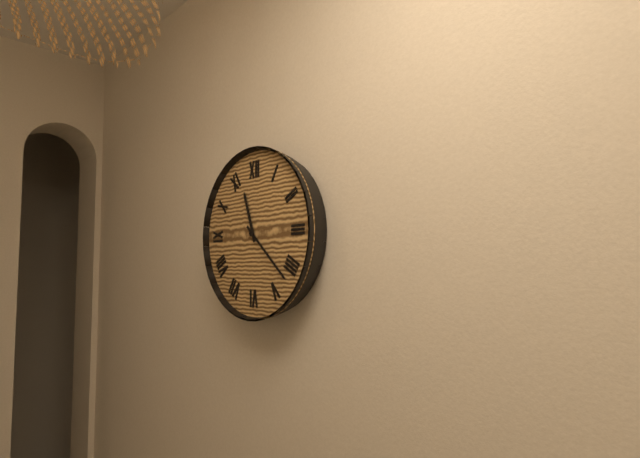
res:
11.22
